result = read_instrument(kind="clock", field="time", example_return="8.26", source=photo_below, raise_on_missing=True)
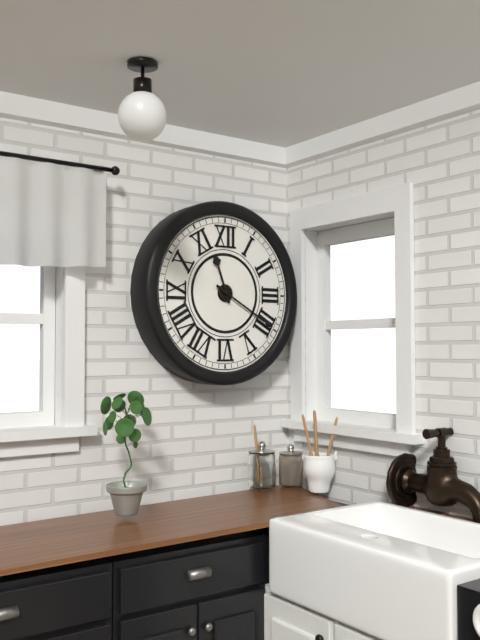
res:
11.20
